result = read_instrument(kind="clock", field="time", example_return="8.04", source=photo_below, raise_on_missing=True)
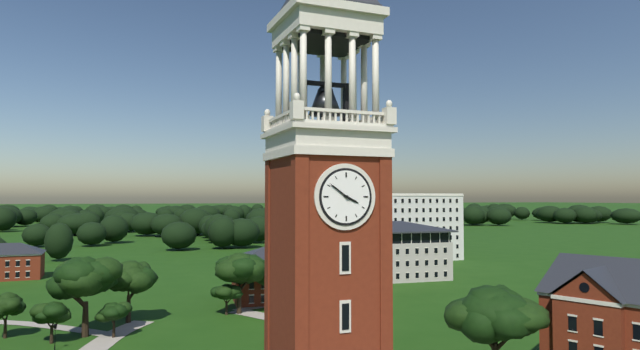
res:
3.51
